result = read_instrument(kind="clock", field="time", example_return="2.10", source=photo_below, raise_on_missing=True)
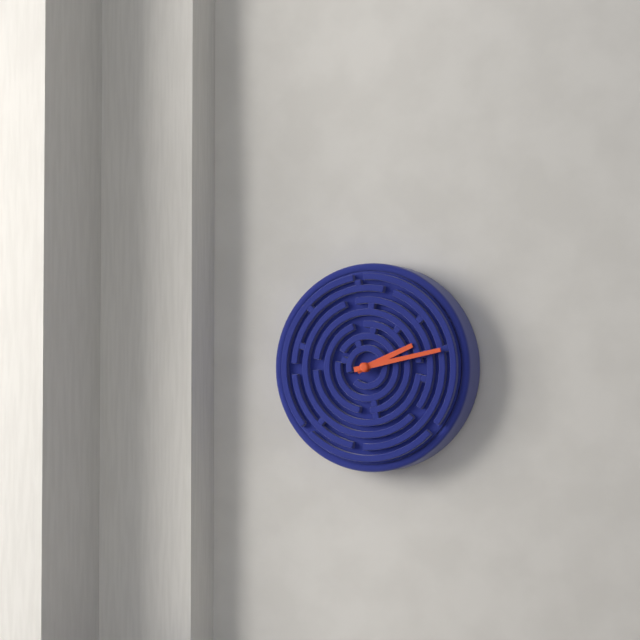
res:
2.13
